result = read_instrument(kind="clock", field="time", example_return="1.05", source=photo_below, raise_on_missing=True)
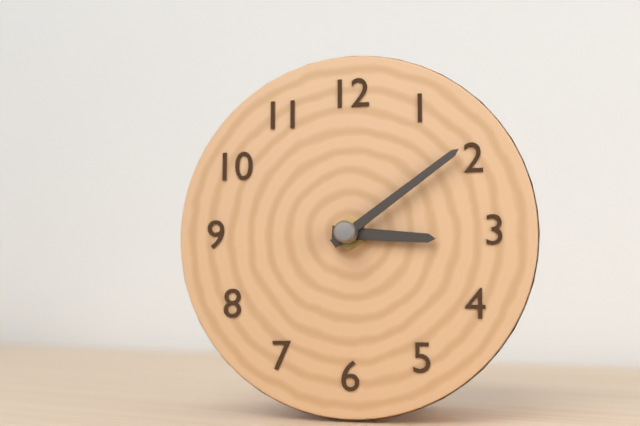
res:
3.09
